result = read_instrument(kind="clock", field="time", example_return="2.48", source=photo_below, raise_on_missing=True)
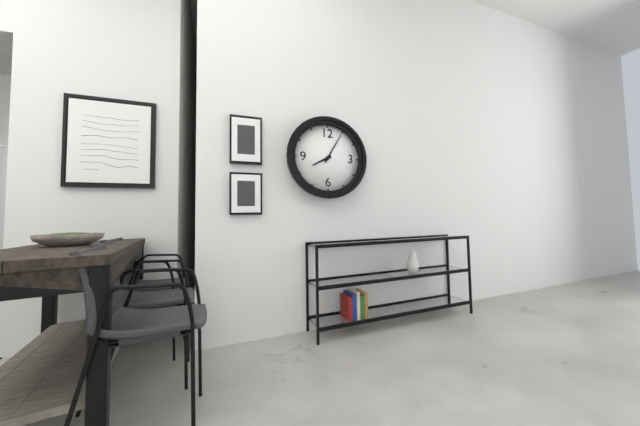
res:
8.05
